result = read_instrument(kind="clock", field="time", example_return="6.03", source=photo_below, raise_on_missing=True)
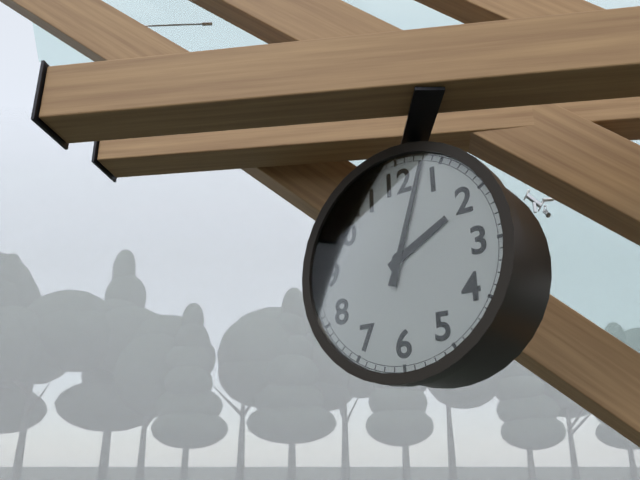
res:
2.03
